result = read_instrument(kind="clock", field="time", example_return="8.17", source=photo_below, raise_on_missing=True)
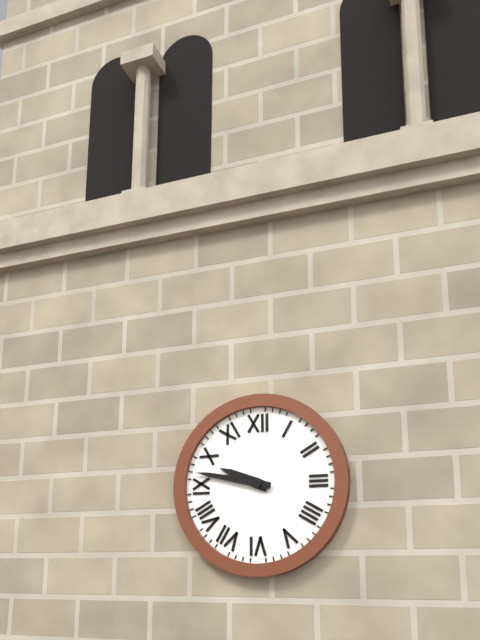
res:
9.47
